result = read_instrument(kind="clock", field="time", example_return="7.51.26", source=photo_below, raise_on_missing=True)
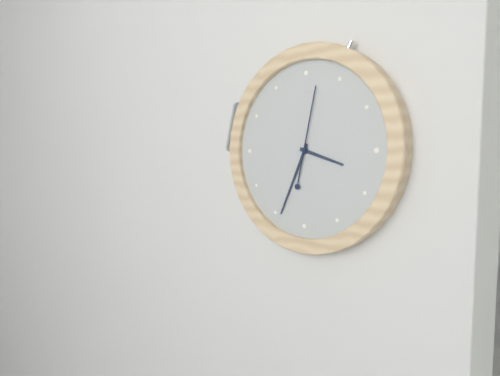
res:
3.34.02
